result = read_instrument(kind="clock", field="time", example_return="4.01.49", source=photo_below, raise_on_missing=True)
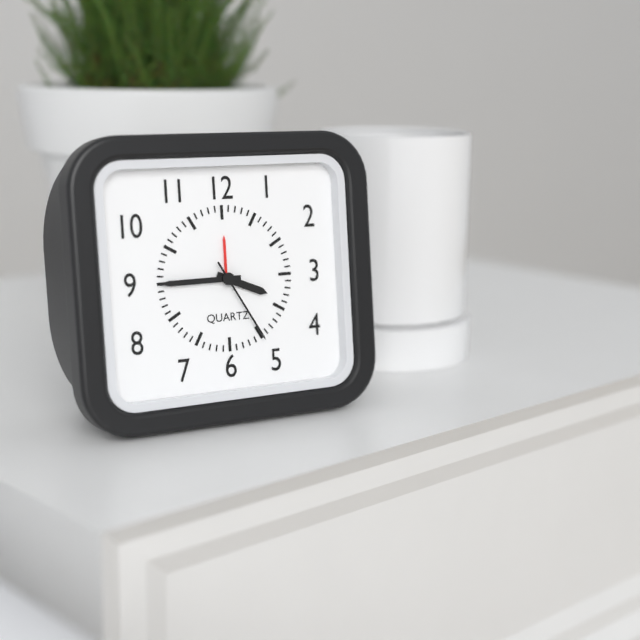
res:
3.45.25
